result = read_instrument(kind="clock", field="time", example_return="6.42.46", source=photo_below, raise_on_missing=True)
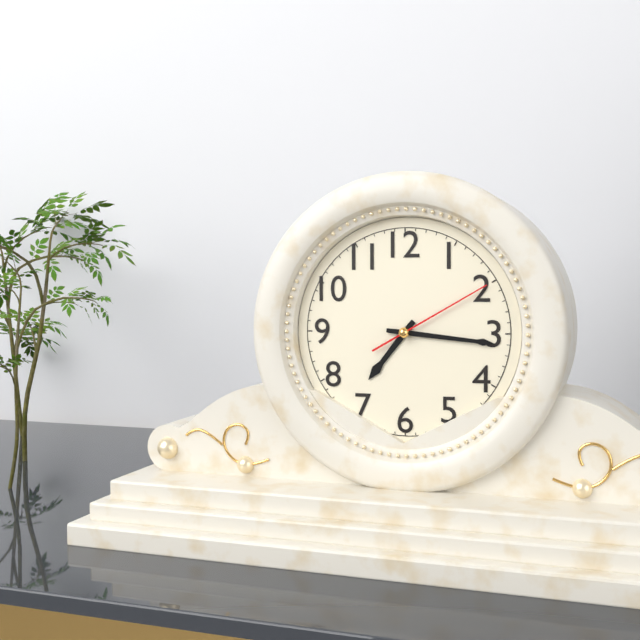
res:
7.16.10
